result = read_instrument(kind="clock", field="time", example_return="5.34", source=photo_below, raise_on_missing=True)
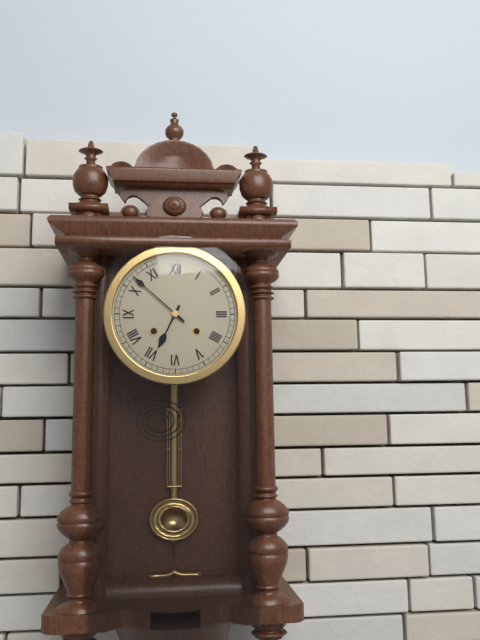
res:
6.52
